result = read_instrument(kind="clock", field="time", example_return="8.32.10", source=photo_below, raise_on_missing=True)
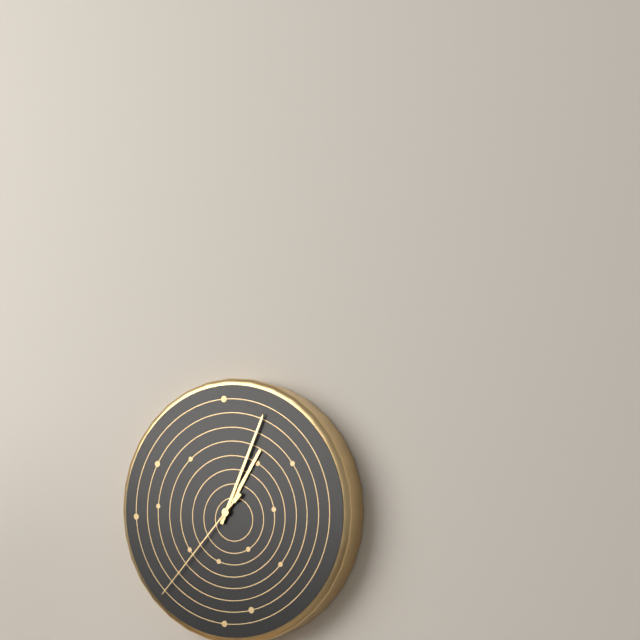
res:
1.04.37
